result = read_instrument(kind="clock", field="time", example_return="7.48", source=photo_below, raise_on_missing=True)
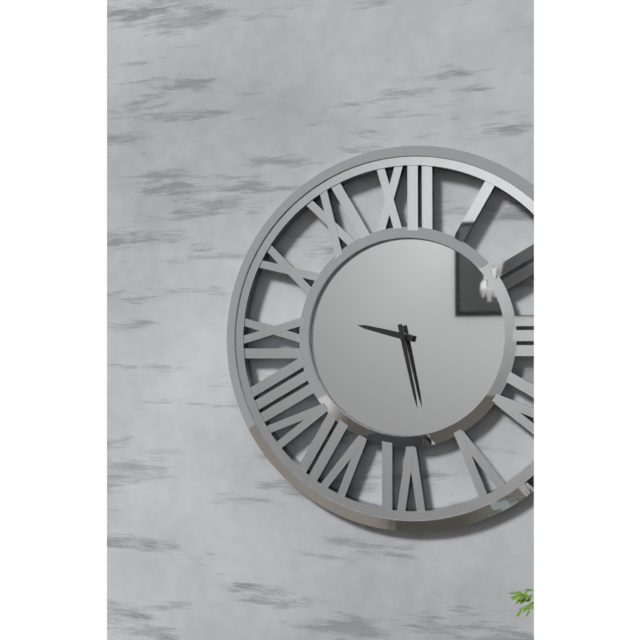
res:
9.28
